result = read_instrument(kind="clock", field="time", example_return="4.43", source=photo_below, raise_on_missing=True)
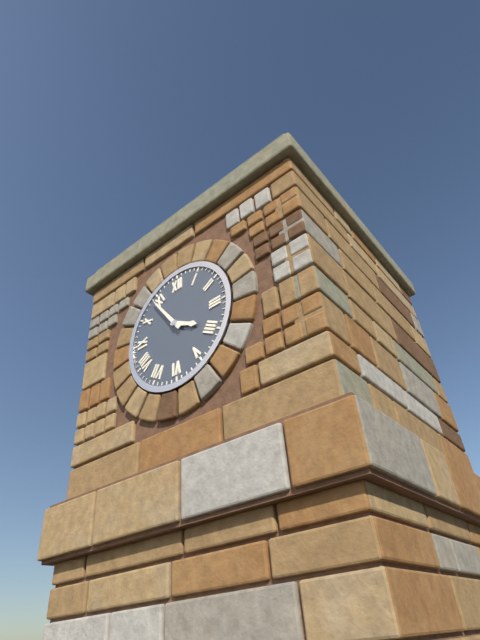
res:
3.54
